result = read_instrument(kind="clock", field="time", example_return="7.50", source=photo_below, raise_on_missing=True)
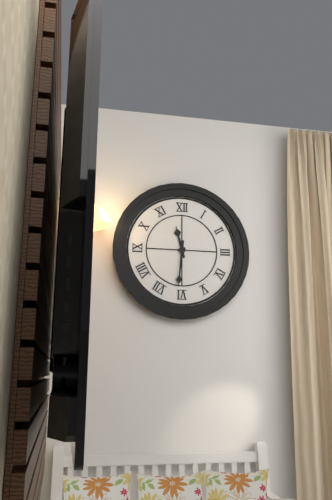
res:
11.31
